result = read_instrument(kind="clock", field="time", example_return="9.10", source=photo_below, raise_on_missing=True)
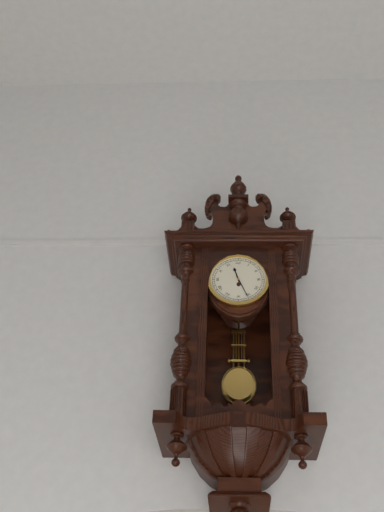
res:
11.26
